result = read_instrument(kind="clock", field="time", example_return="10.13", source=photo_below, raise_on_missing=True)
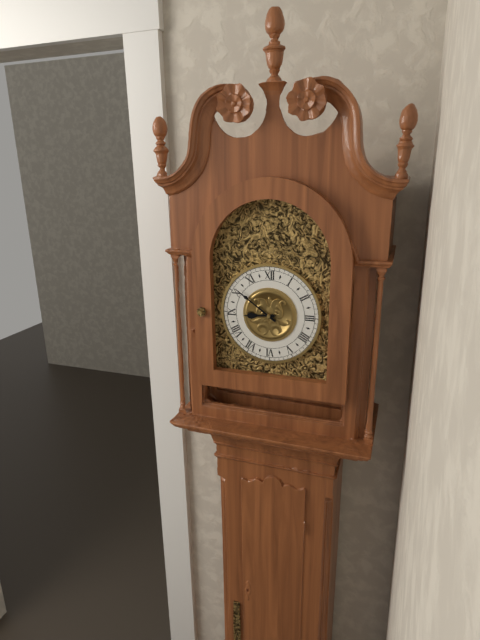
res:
8.51
